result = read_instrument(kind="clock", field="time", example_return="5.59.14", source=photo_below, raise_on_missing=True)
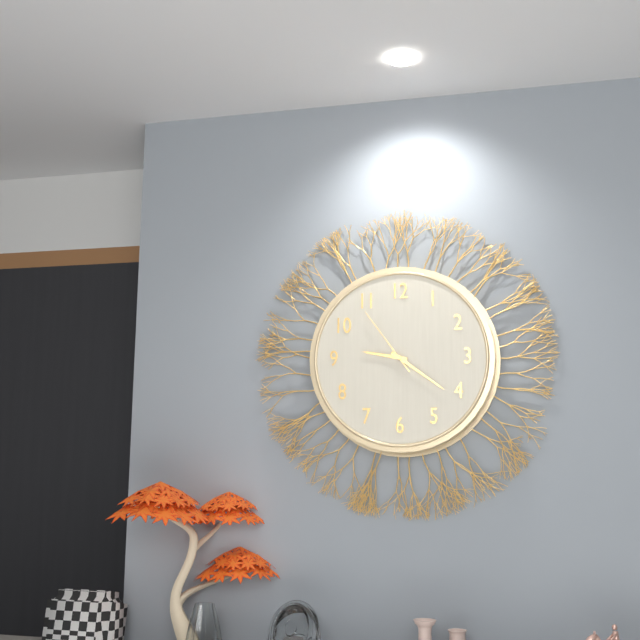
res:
9.21.54
